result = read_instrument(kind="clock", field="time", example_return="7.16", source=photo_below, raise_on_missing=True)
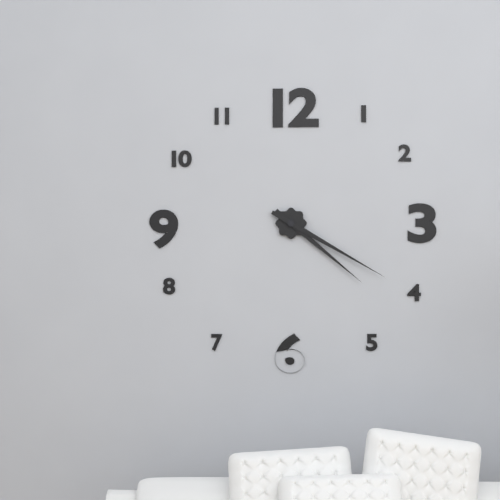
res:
4.20
